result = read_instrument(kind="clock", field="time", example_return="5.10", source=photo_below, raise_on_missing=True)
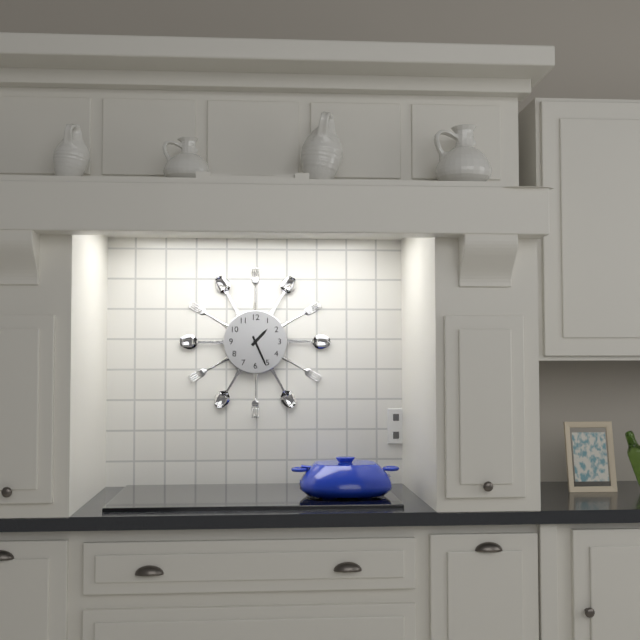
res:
1.26
